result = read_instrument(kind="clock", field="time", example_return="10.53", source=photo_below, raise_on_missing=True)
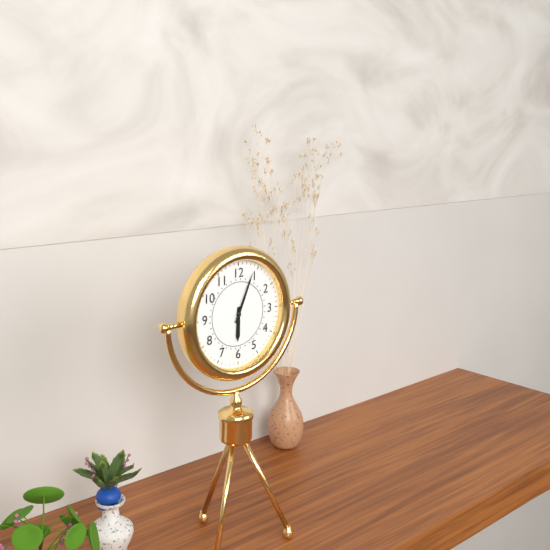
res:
6.04
